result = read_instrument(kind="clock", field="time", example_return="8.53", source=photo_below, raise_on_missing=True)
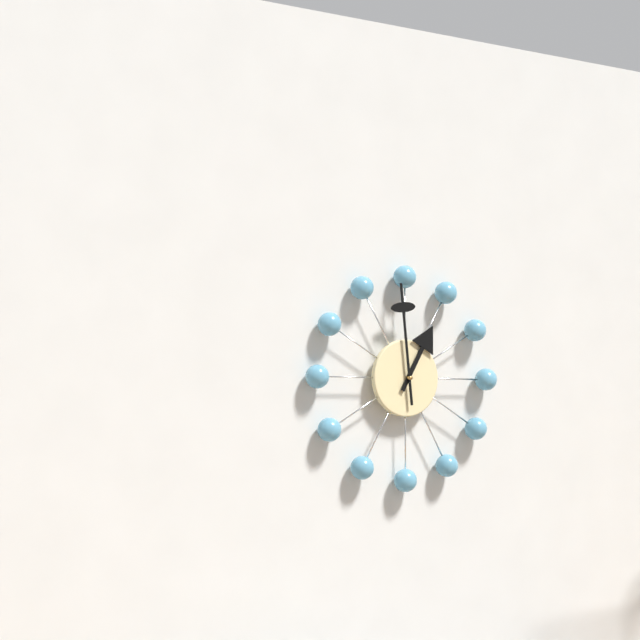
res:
12.59
